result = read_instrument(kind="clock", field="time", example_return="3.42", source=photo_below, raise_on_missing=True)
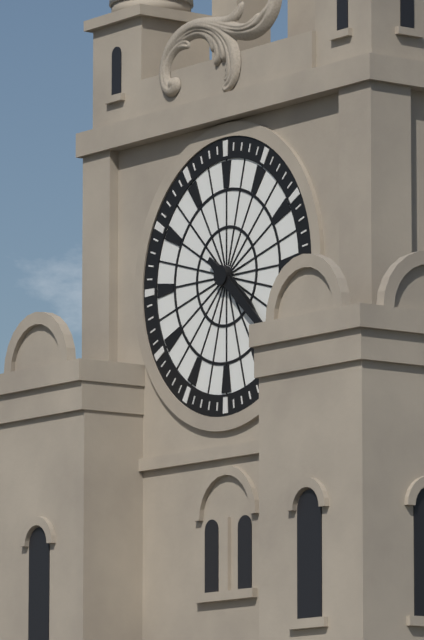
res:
4.22
